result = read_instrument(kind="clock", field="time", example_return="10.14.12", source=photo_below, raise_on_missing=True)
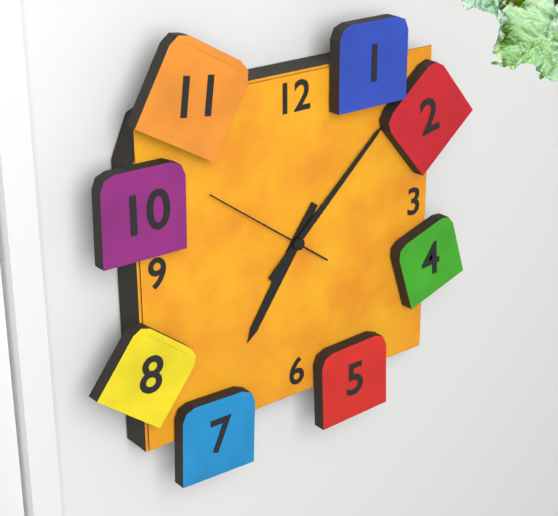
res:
7.08.51
